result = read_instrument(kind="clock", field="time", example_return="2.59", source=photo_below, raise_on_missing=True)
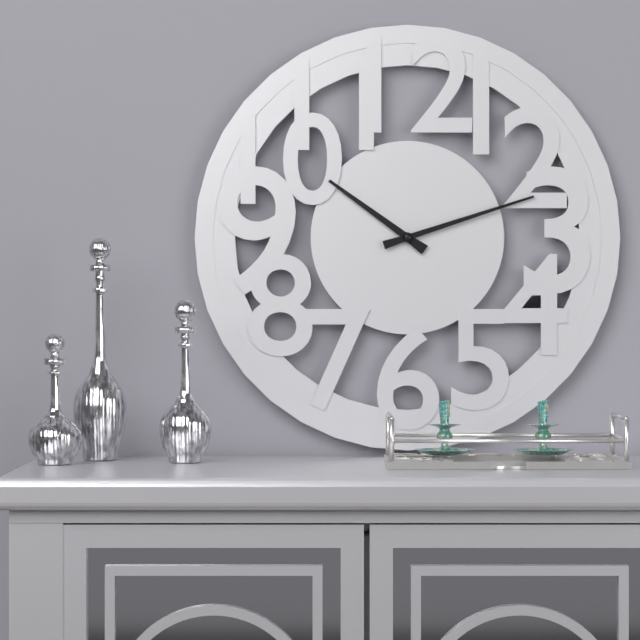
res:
10.12
